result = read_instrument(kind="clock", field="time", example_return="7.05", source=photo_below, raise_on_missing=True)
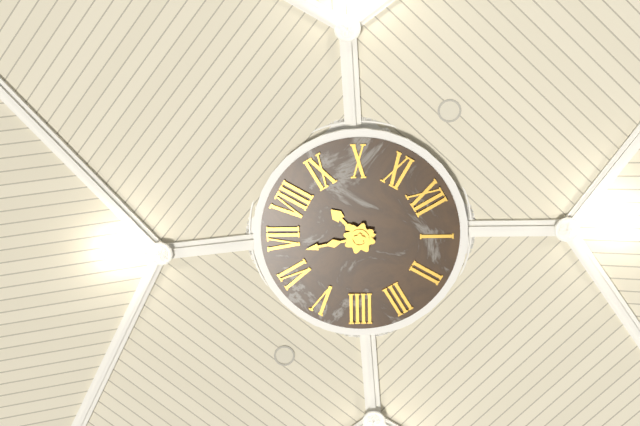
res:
8.33
